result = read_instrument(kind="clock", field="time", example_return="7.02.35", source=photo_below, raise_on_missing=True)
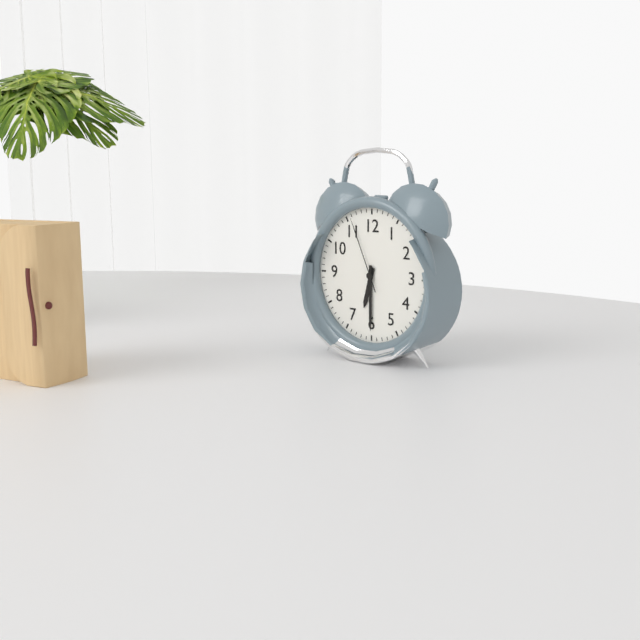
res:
6.30.56
